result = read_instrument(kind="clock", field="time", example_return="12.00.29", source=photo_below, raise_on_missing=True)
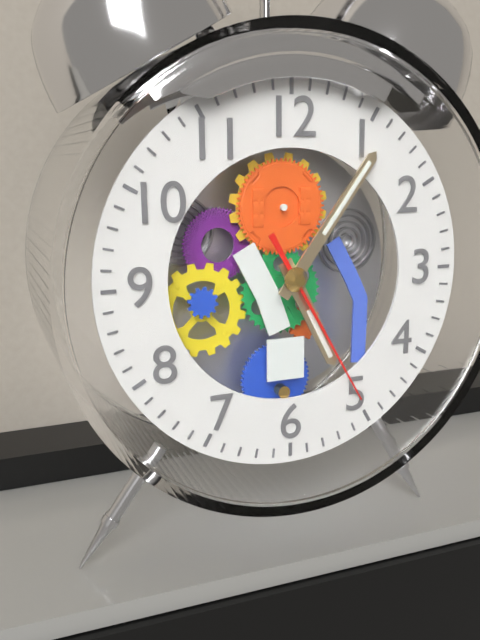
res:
5.06.25
